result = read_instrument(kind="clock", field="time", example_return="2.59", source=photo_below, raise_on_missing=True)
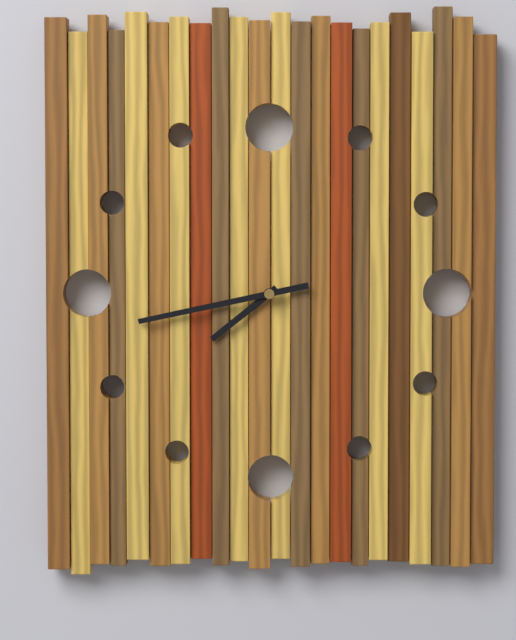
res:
7.43
